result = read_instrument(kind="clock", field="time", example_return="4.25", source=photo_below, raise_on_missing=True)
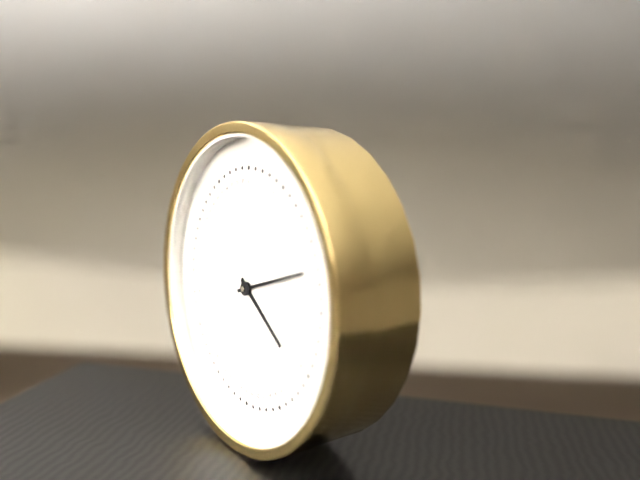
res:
4.12
